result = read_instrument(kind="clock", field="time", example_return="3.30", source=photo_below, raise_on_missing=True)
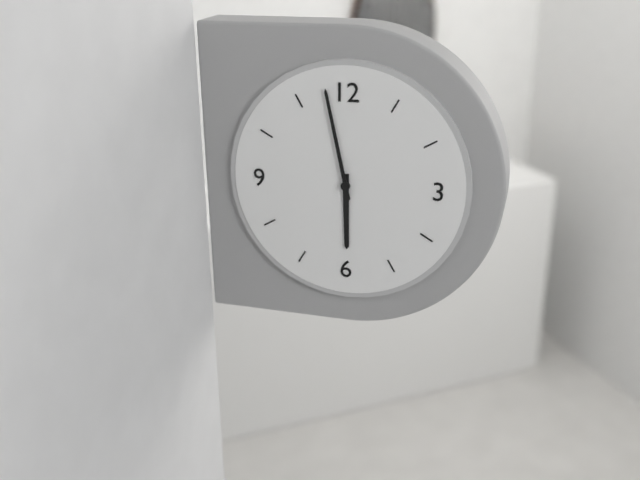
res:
5.58
